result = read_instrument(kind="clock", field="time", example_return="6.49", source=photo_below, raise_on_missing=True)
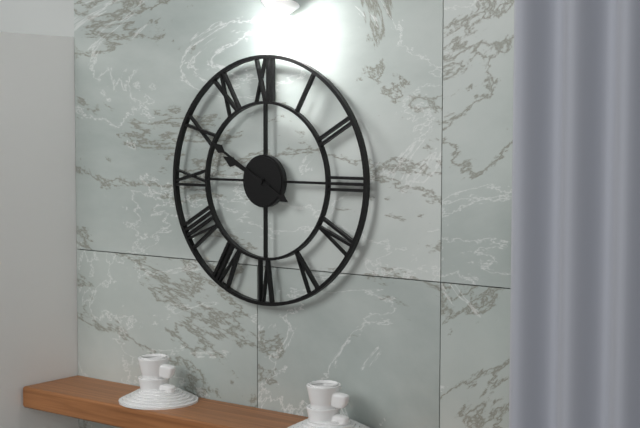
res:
9.50
